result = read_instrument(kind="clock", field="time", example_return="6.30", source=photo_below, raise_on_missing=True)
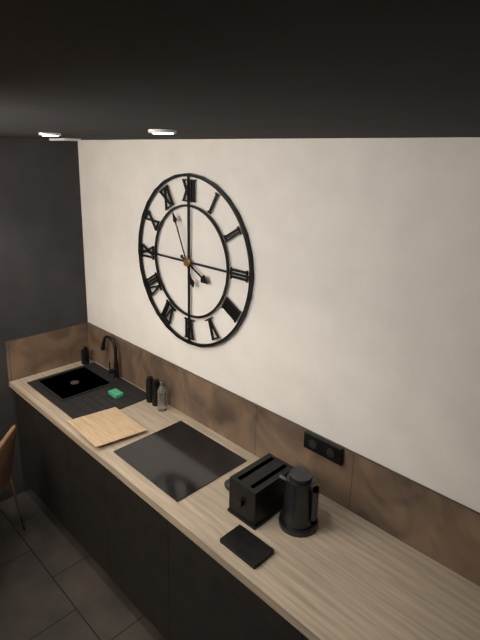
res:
3.56
